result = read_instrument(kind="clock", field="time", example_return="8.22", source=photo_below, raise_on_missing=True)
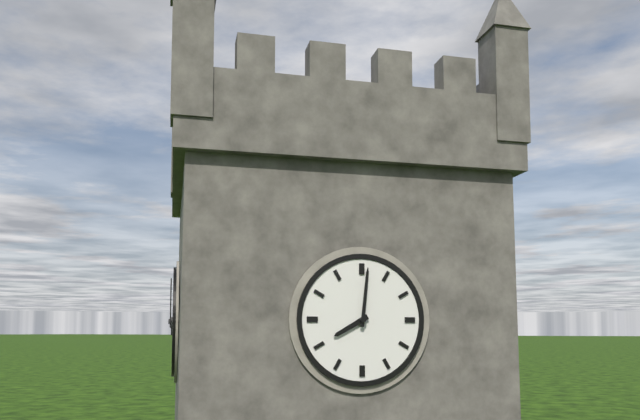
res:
8.01
